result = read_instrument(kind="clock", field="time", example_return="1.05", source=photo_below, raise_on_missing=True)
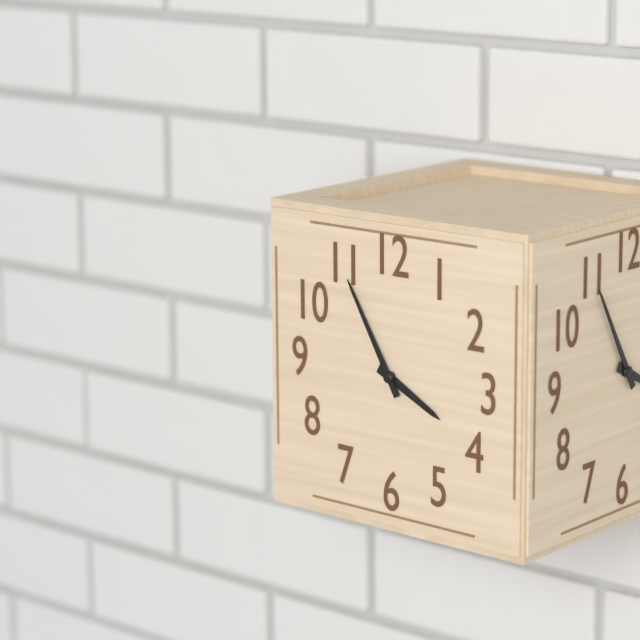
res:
3.55
